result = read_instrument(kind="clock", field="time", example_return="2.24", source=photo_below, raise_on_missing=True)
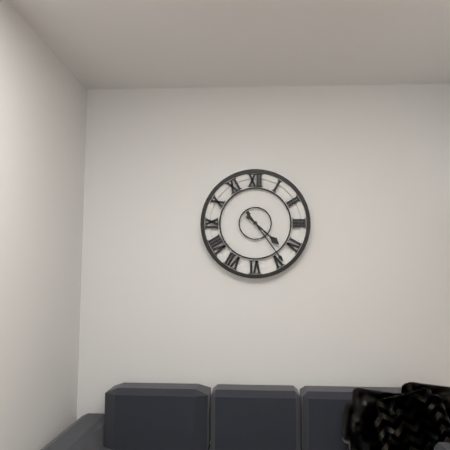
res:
4.24
